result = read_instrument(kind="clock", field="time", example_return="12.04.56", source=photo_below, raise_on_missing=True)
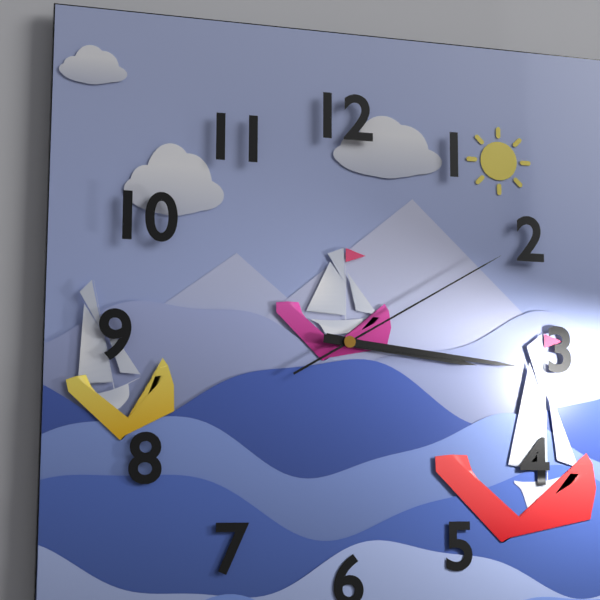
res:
3.16.10
